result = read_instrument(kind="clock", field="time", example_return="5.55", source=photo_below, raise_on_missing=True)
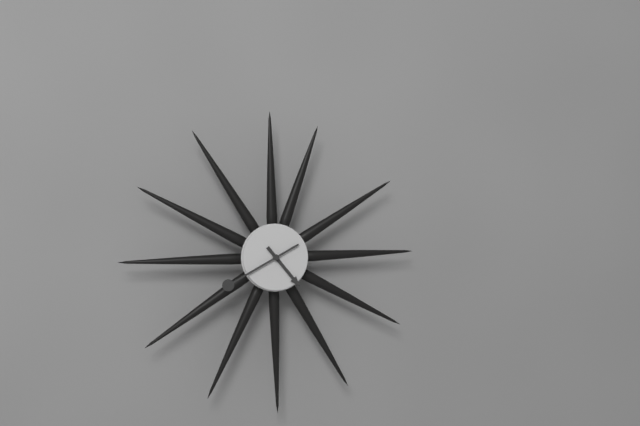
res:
4.40
